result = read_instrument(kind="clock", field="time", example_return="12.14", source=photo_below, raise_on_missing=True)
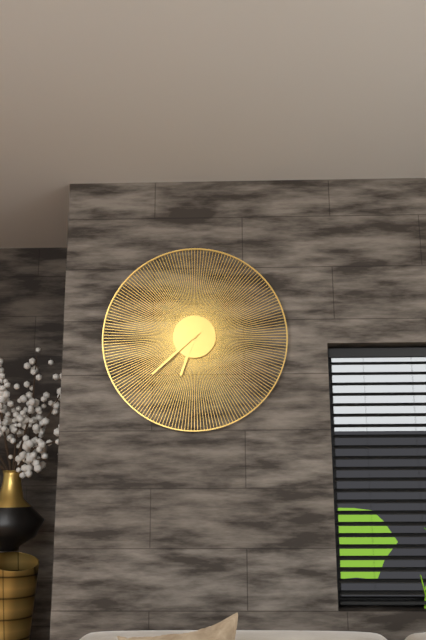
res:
6.38
